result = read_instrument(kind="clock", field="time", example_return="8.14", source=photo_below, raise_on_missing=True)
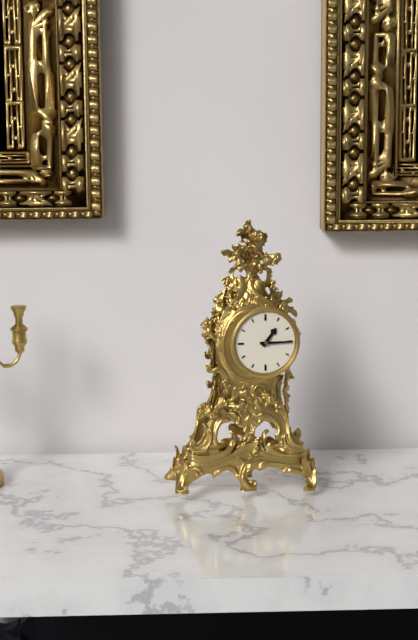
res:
1.15
